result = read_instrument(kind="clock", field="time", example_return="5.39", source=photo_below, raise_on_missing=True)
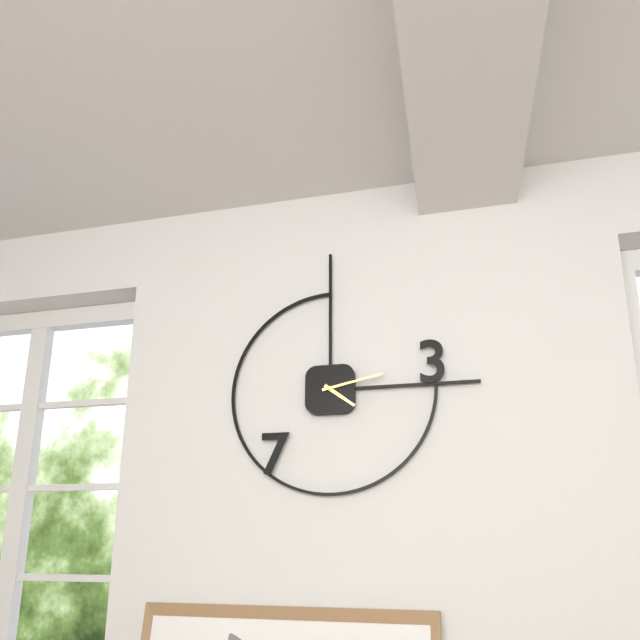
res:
4.13
